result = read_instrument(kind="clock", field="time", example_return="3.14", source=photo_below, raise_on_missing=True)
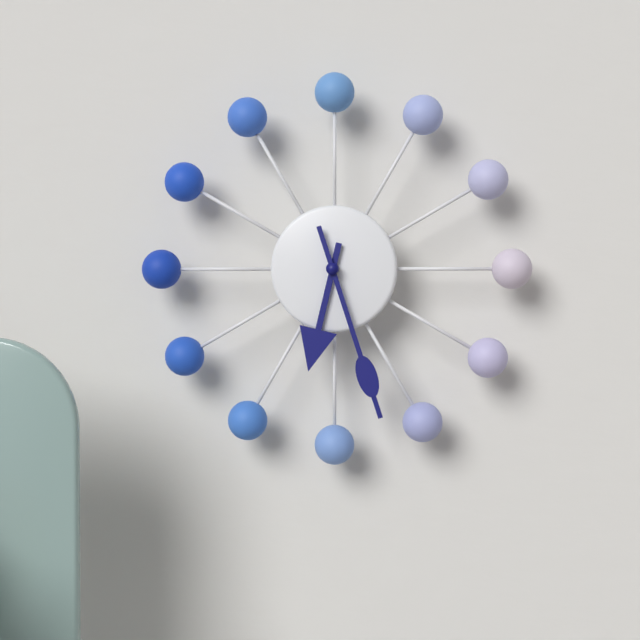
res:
6.27
